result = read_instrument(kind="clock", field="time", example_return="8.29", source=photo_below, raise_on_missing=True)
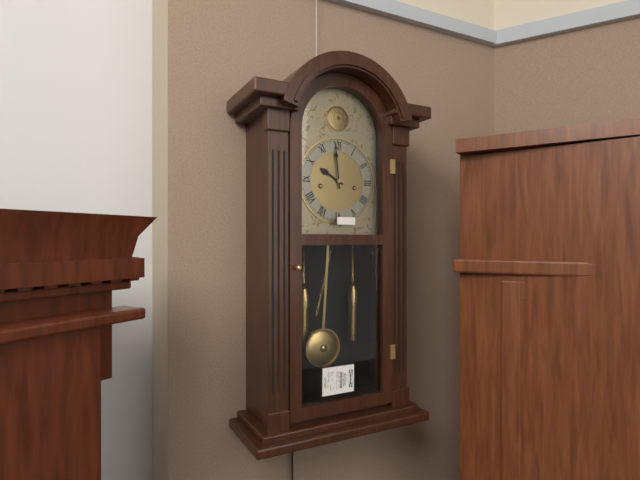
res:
9.59
